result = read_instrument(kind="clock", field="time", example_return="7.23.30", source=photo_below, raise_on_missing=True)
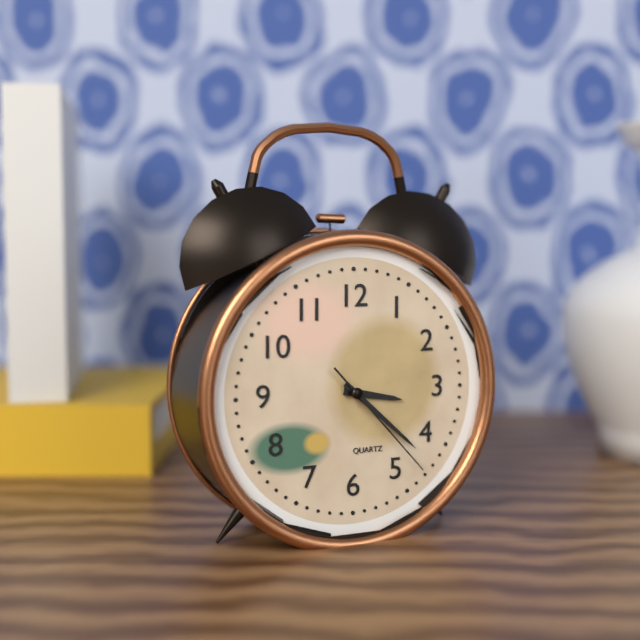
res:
3.22.23
